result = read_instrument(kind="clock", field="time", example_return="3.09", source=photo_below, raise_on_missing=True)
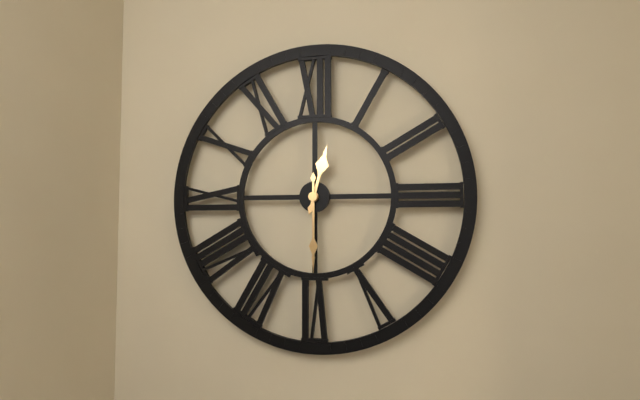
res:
12.30
